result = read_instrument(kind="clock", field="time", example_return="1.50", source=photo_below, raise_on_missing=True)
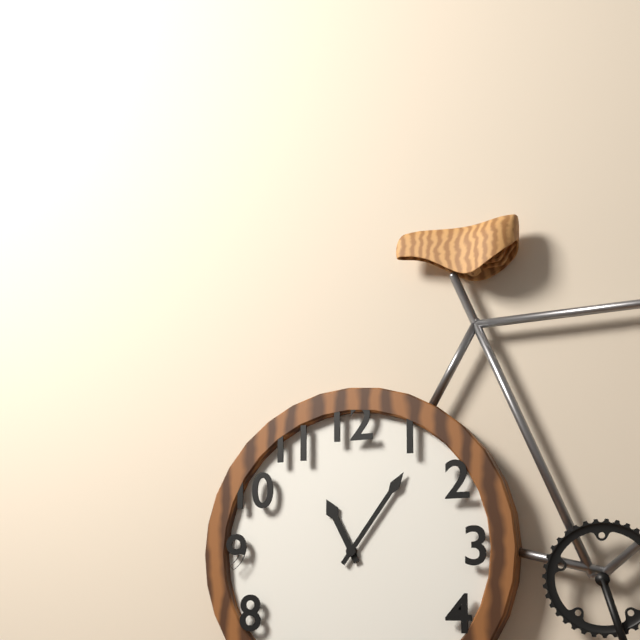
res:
11.06
